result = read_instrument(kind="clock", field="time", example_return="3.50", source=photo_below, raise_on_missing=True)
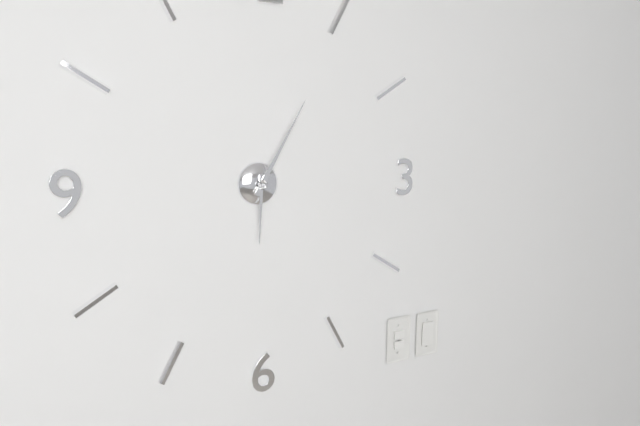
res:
6.05
